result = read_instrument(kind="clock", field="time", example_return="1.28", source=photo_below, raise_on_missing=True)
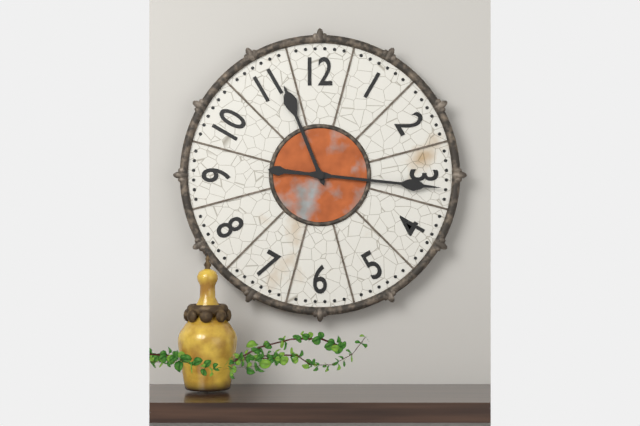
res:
11.16
